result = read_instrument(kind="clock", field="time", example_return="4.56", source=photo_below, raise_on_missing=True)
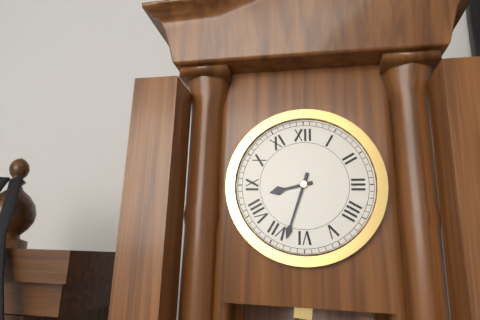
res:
8.33
